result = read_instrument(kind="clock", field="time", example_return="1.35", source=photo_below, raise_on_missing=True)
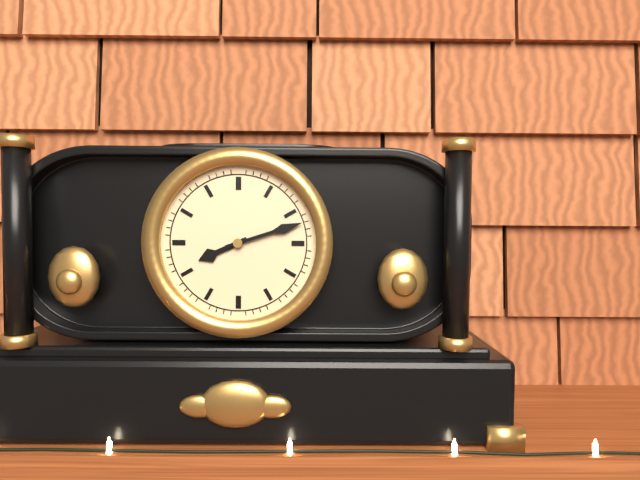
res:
8.12
